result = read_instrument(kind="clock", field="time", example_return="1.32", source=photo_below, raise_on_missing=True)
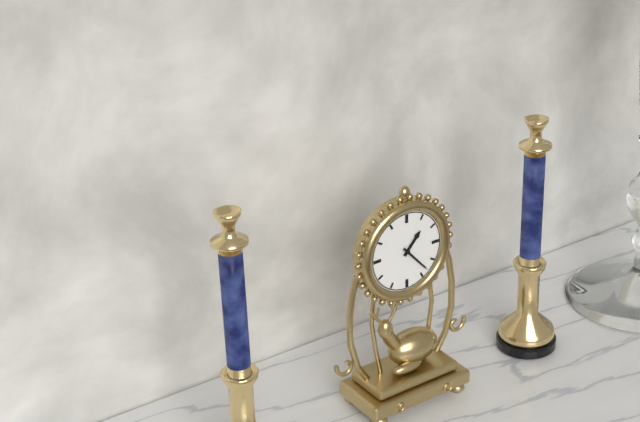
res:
1.23
